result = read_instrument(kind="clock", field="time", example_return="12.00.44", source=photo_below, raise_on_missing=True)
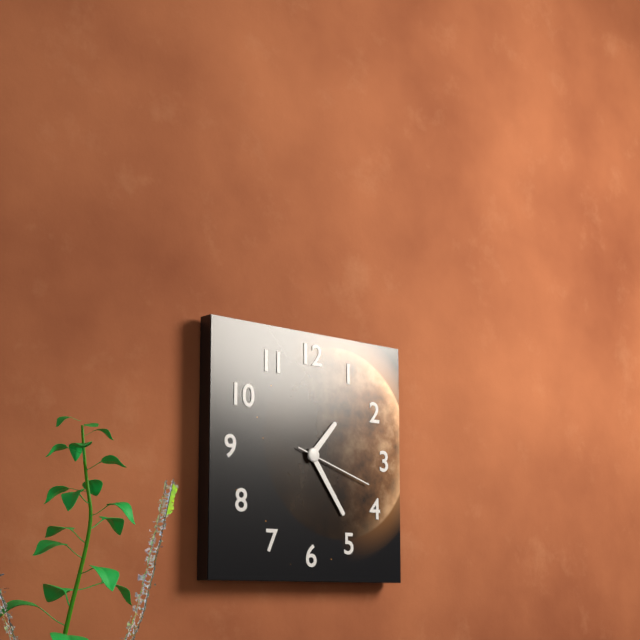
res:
1.24.18
